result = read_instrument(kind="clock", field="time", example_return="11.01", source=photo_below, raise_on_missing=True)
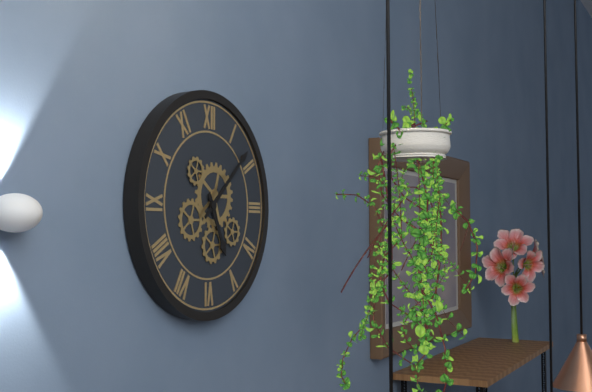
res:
5.08
